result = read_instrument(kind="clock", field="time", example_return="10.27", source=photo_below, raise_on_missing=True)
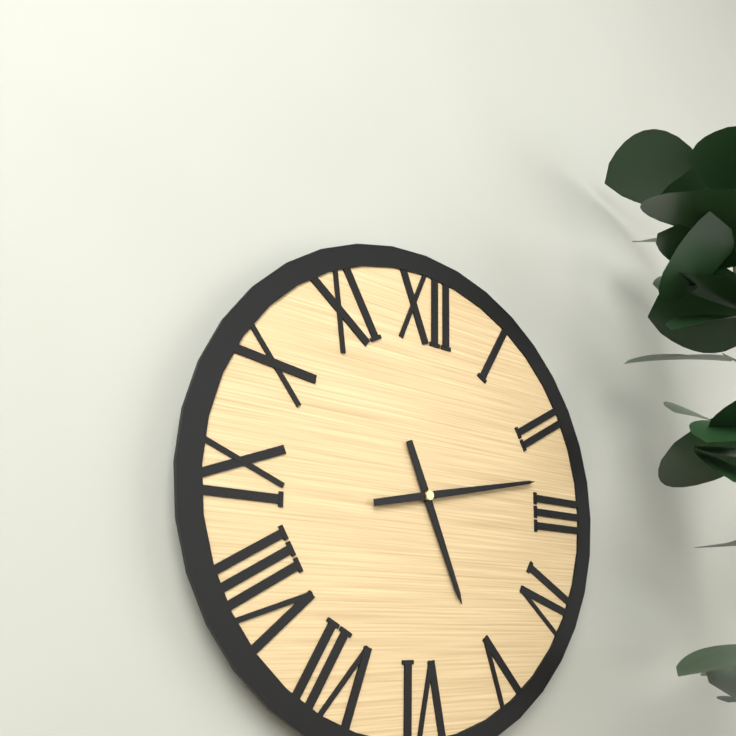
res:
5.13
